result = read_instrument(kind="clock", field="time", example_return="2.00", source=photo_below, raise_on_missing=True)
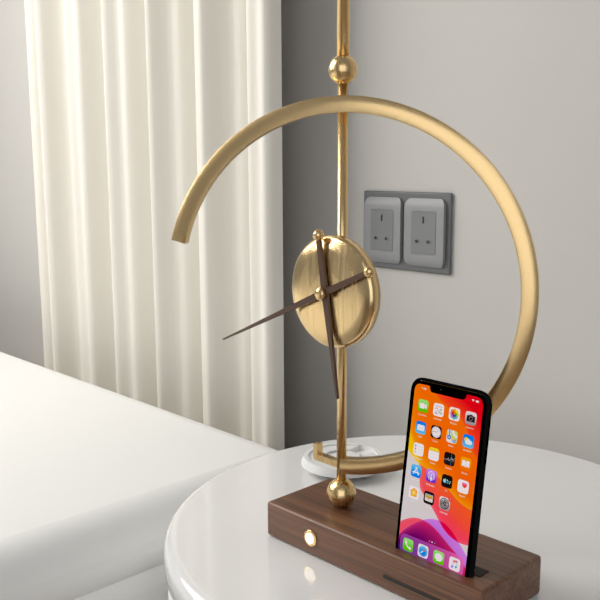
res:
5.41
